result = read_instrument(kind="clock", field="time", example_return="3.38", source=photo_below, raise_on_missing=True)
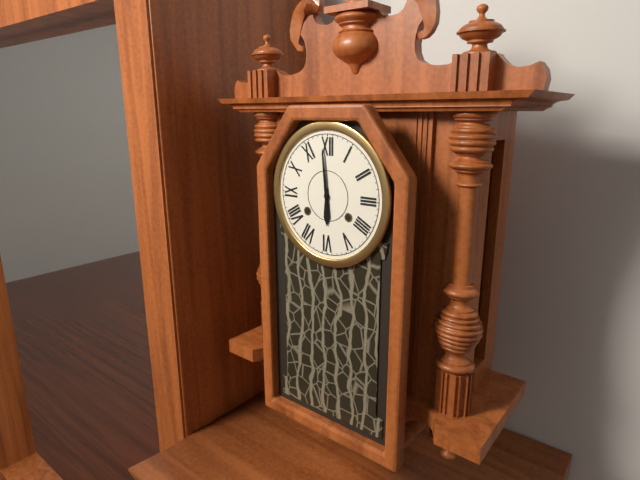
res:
5.59
